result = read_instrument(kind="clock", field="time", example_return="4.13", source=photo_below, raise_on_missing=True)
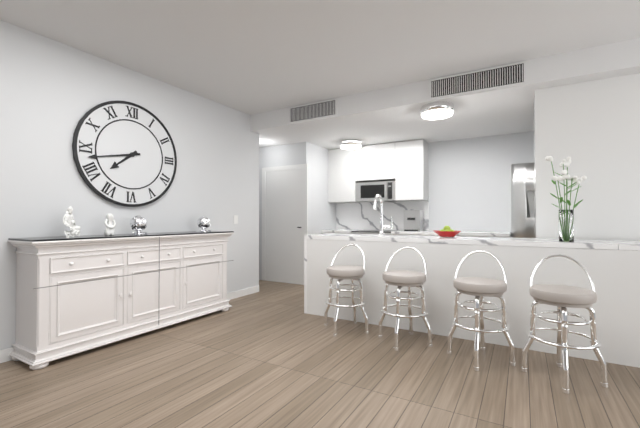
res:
7.43
